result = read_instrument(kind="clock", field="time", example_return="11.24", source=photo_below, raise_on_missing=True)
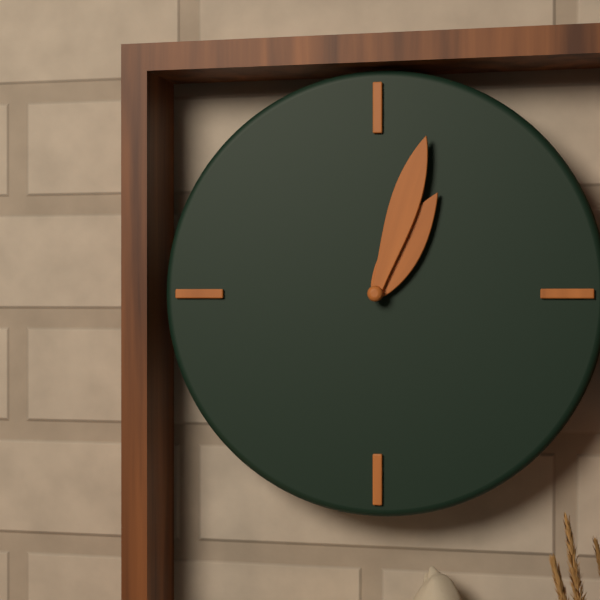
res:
1.03
